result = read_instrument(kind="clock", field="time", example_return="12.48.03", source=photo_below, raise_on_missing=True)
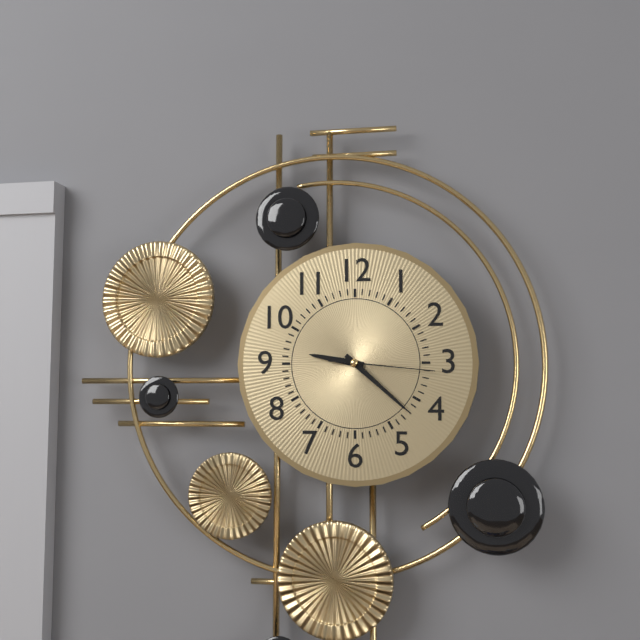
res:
9.22.16
